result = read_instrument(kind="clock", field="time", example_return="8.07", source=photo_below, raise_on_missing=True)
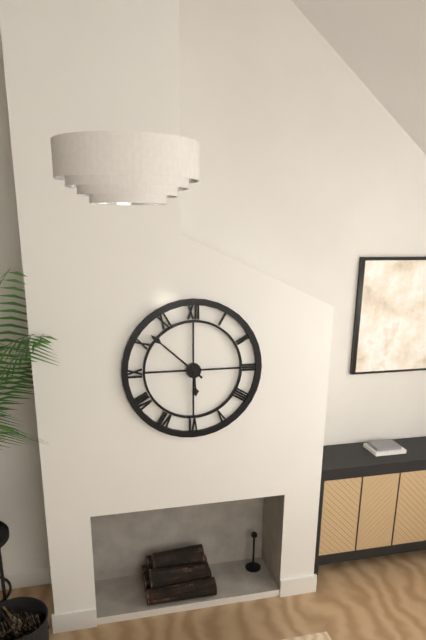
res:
5.52
